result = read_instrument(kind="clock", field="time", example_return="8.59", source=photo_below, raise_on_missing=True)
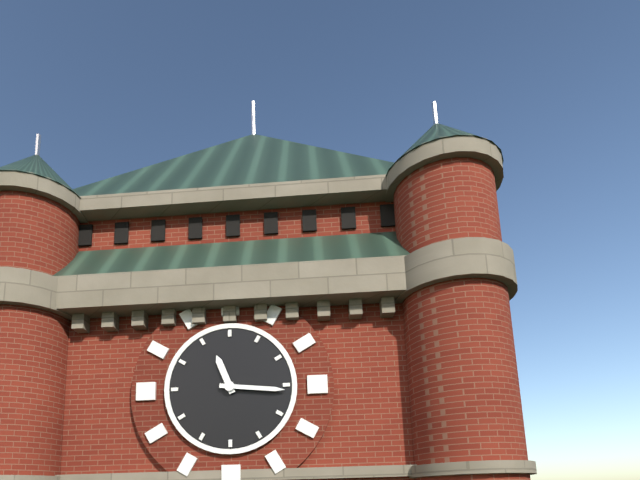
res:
11.16
